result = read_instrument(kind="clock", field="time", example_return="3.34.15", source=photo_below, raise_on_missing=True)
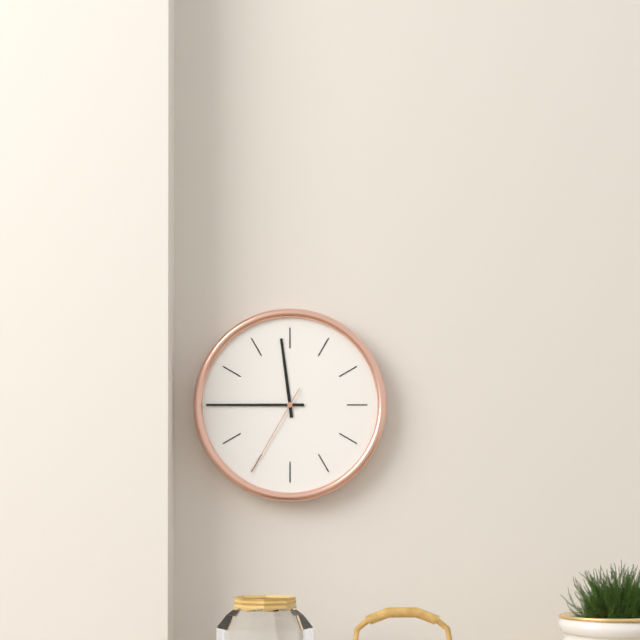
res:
11.45.35
